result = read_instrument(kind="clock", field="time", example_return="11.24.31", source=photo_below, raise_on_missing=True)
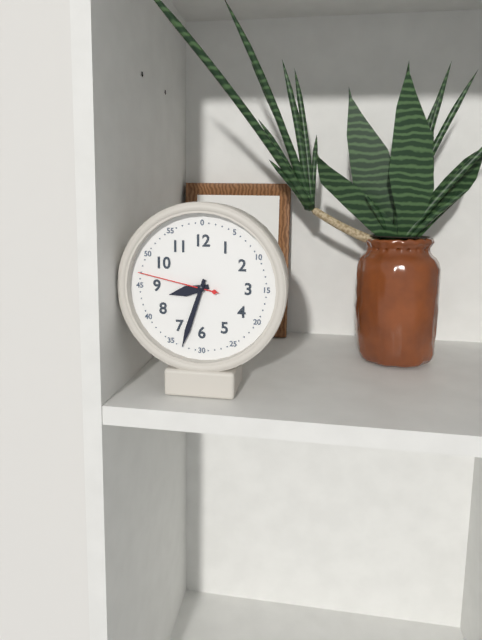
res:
8.33.47
